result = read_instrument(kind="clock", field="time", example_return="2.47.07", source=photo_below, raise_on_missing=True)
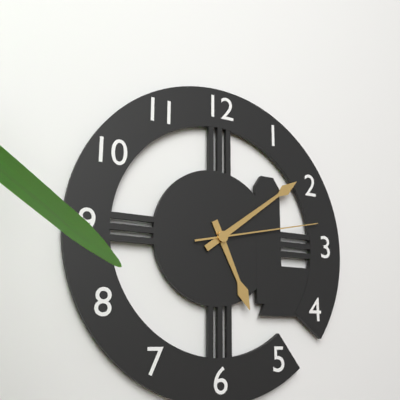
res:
5.09.13
